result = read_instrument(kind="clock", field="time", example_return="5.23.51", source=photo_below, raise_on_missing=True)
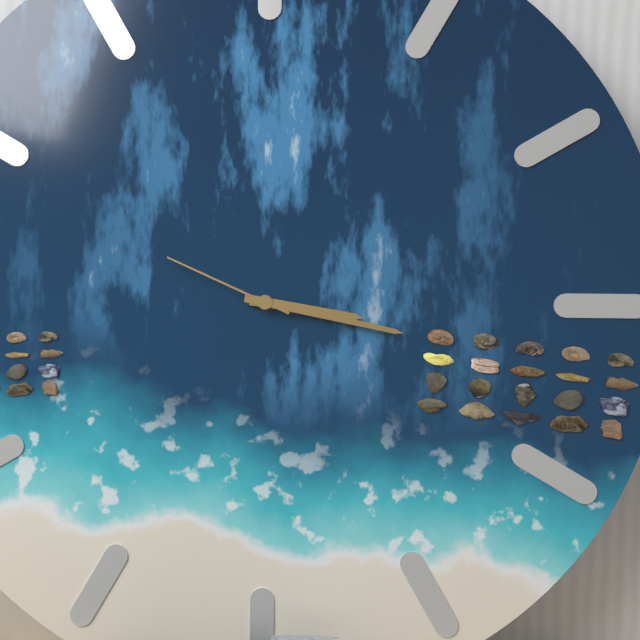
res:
3.17.49
